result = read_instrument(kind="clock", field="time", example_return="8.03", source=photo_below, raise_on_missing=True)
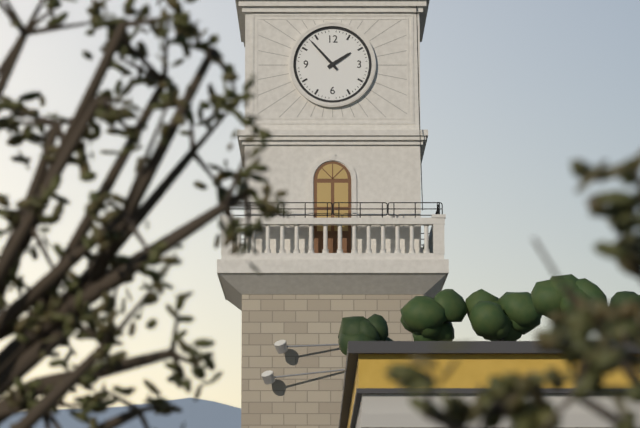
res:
1.53
